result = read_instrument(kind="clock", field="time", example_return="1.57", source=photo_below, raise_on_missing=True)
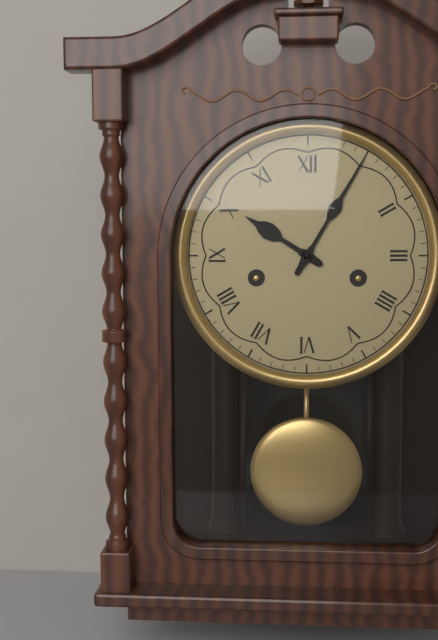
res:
10.05
